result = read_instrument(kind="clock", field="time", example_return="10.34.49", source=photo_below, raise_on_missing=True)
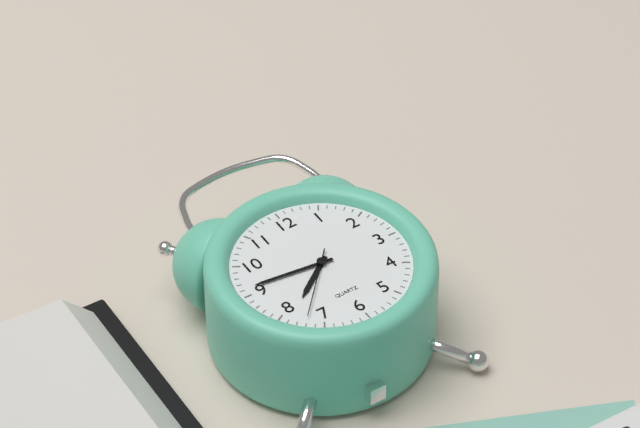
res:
7.46.37
